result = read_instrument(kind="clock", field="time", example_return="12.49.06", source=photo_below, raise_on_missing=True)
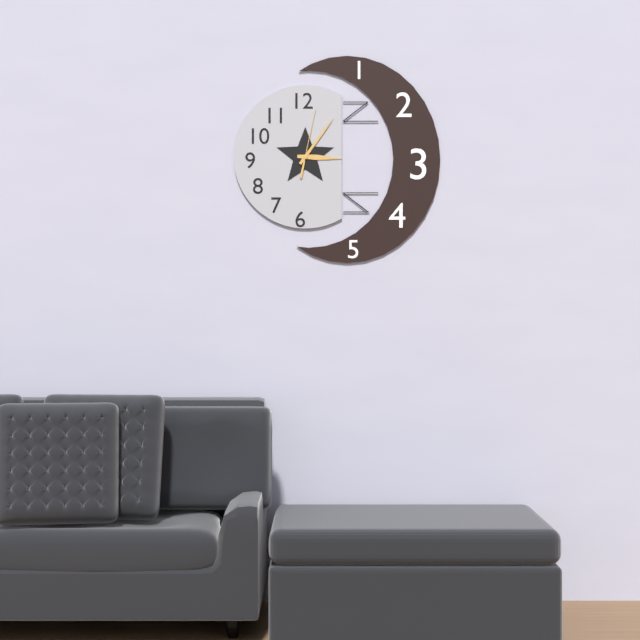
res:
3.06.02
